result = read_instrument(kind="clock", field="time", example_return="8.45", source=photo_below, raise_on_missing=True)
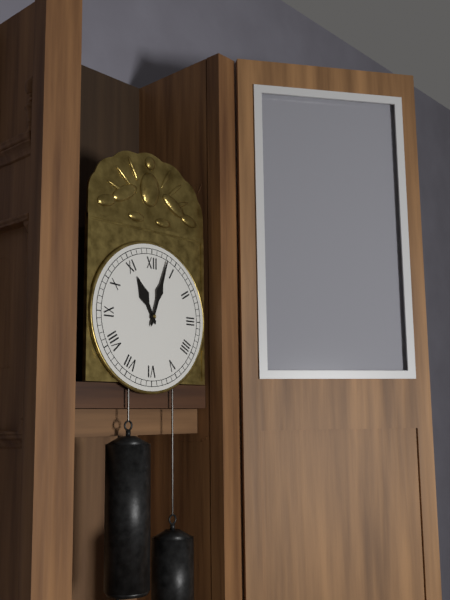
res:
11.03
